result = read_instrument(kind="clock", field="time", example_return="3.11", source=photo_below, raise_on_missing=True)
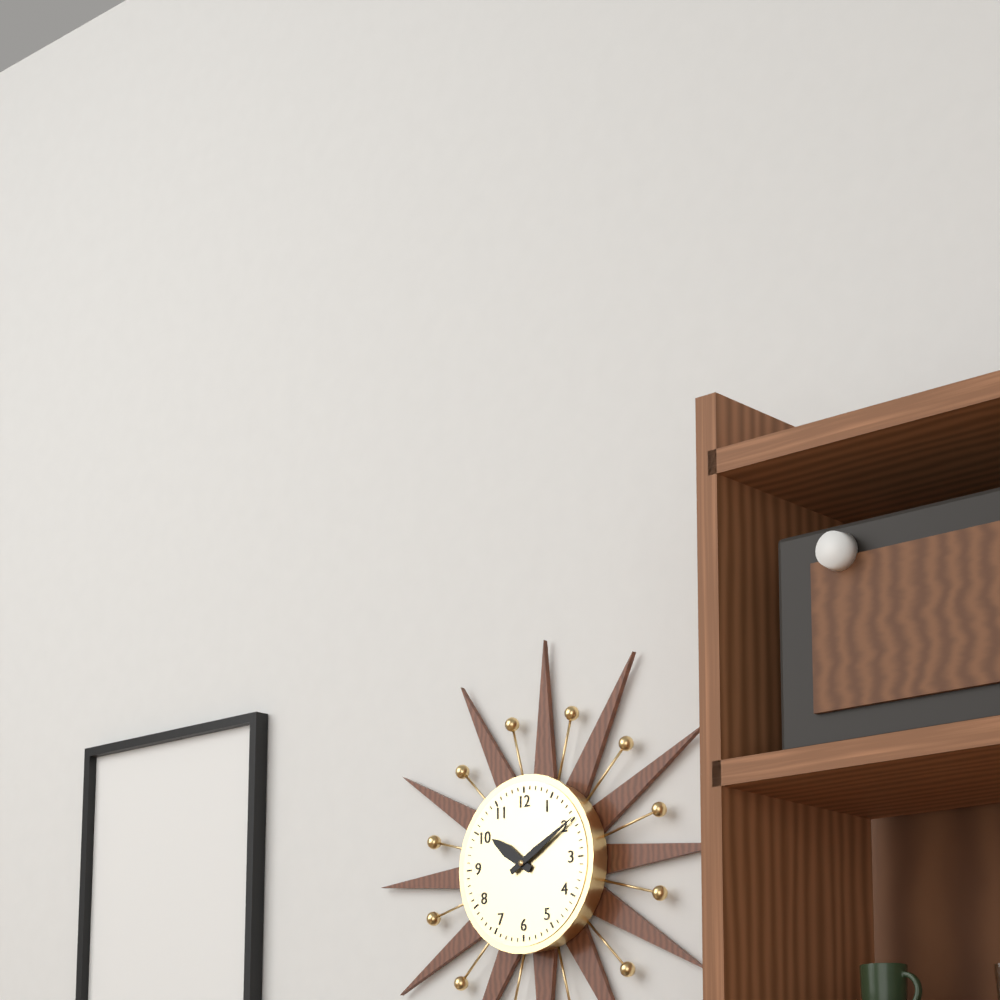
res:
10.10
